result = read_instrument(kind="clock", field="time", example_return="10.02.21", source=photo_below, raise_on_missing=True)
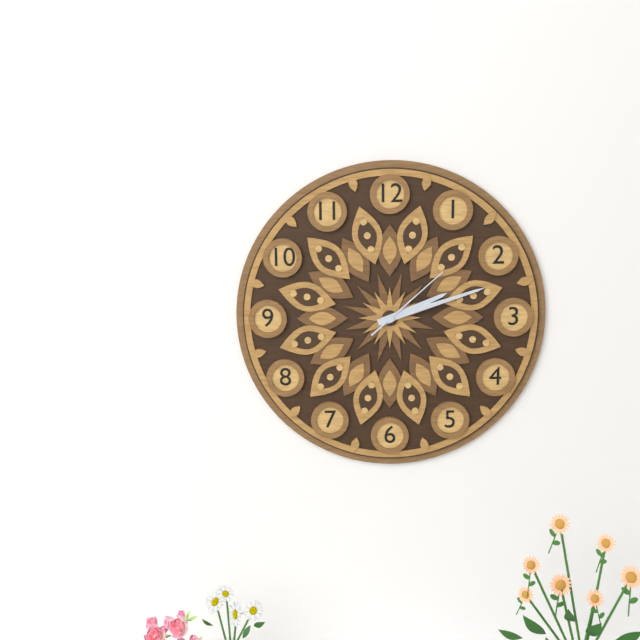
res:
2.12.08
